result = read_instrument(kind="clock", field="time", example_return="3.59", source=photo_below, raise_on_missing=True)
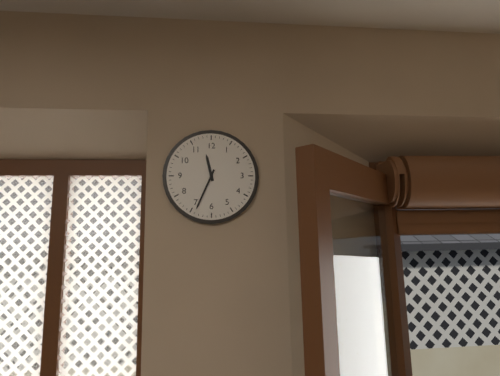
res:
11.34
